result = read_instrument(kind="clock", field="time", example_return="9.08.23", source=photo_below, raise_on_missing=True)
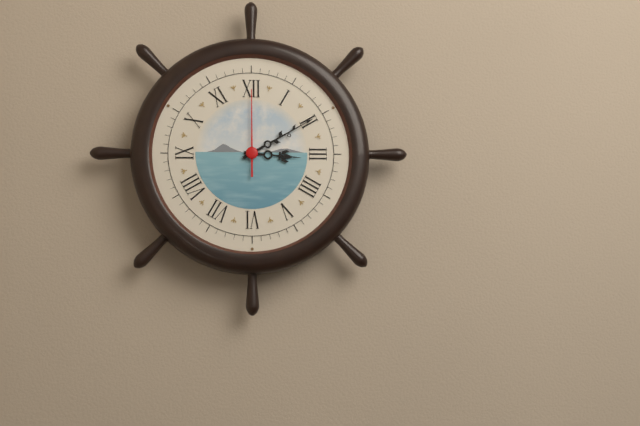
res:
3.10.00
